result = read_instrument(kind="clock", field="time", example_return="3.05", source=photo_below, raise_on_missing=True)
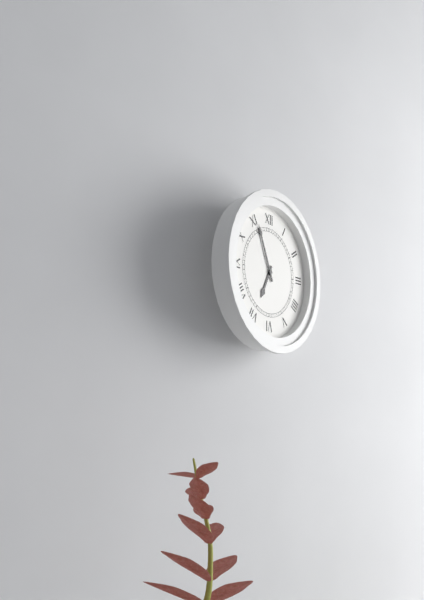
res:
6.56
